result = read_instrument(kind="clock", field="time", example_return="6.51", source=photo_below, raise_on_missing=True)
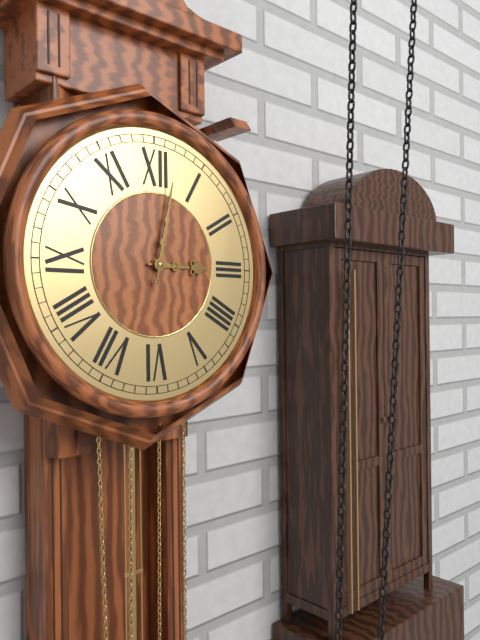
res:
3.02
